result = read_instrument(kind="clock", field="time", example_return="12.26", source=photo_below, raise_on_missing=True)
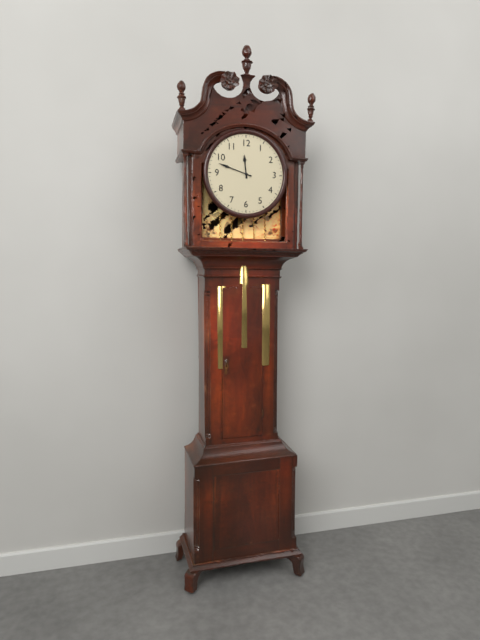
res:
11.48
